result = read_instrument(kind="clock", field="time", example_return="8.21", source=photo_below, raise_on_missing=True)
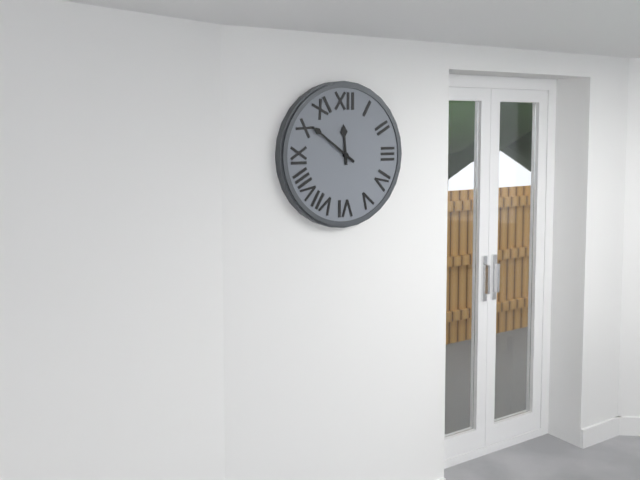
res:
11.51
